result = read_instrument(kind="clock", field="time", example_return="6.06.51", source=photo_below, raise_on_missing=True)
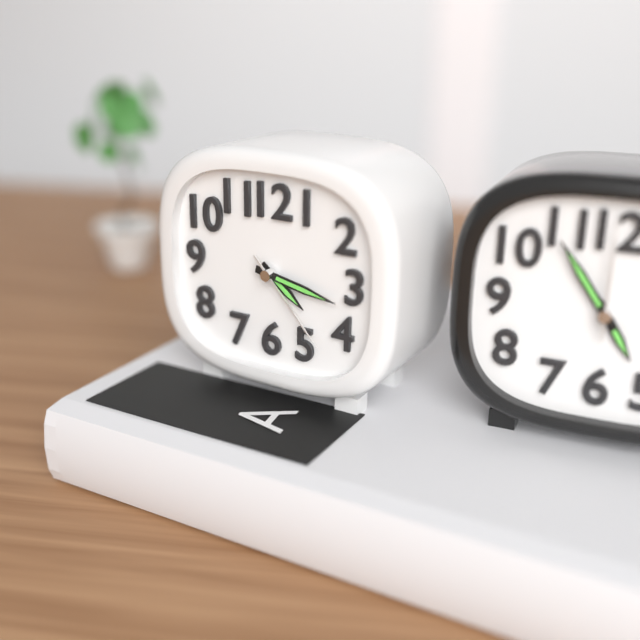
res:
4.17.23
